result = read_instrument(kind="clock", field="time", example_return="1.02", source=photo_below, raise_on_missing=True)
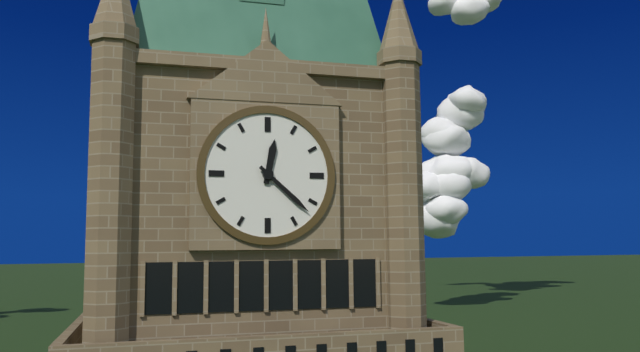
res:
12.22
